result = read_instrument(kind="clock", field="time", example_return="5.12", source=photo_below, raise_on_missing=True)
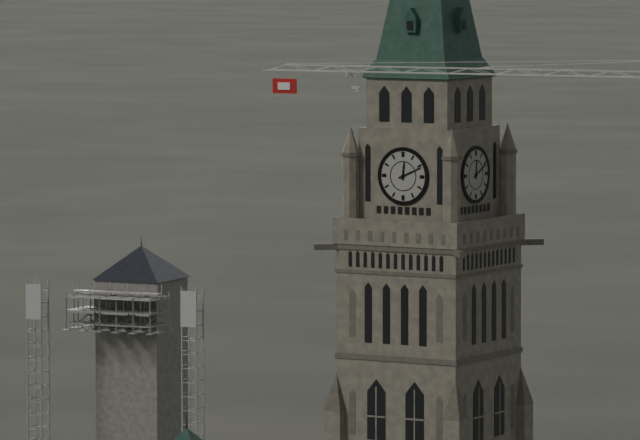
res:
12.11
